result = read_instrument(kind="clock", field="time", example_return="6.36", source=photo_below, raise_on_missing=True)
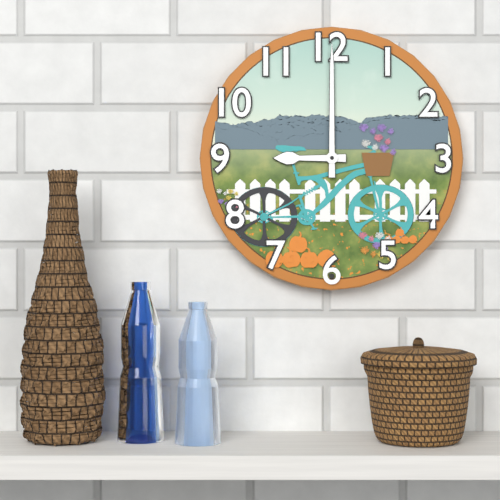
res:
9.00
